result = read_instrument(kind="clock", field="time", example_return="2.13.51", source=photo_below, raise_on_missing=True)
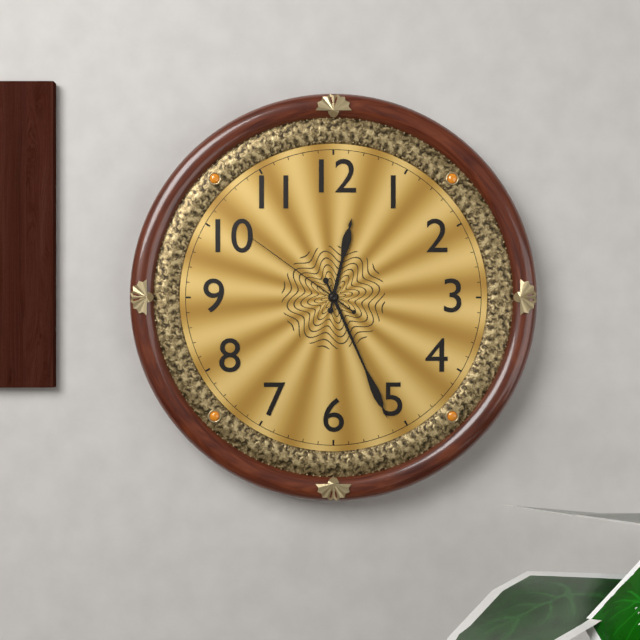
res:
12.26.51
